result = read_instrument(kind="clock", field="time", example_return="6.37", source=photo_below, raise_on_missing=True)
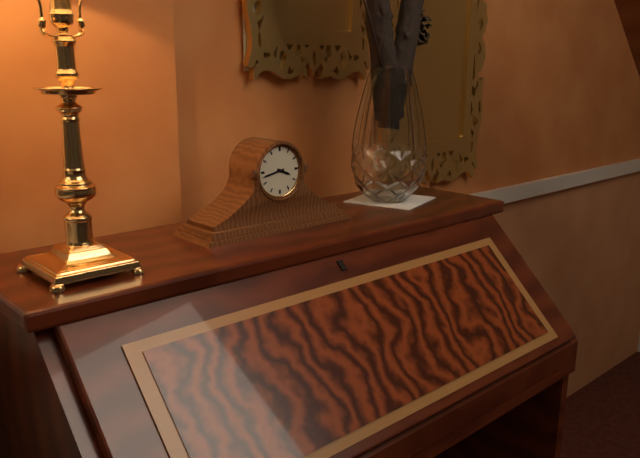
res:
3.43
